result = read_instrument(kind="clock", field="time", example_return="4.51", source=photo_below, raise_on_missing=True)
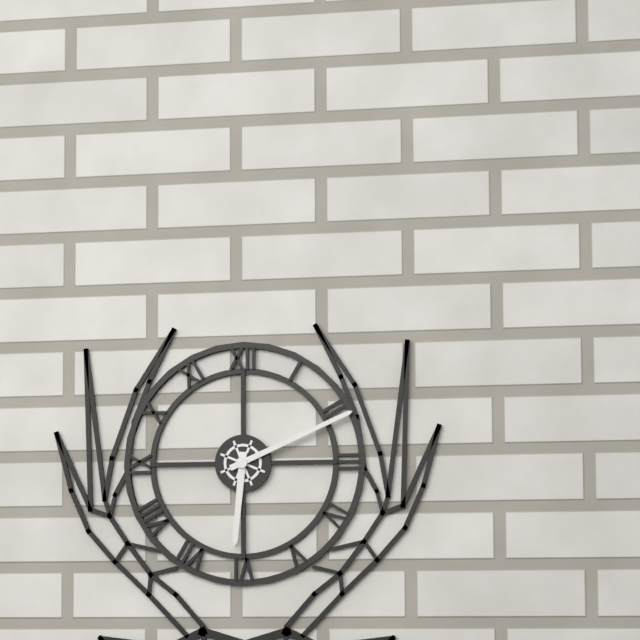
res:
6.11
